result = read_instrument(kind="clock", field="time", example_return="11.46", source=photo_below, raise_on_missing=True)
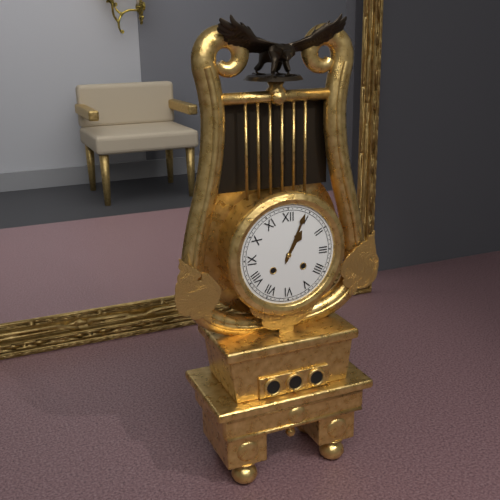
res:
1.04
